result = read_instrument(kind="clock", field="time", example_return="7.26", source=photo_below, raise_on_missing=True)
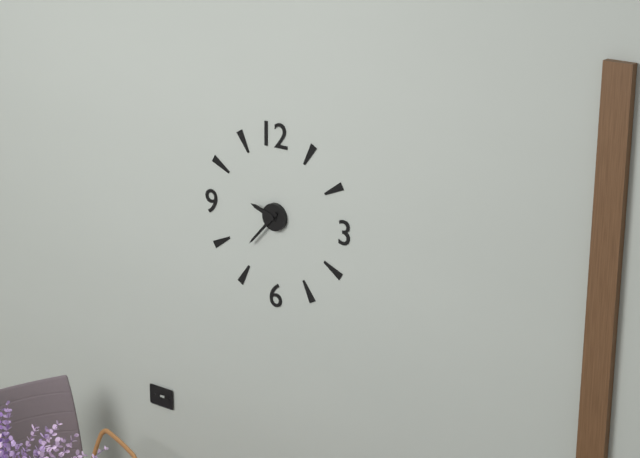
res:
9.37
